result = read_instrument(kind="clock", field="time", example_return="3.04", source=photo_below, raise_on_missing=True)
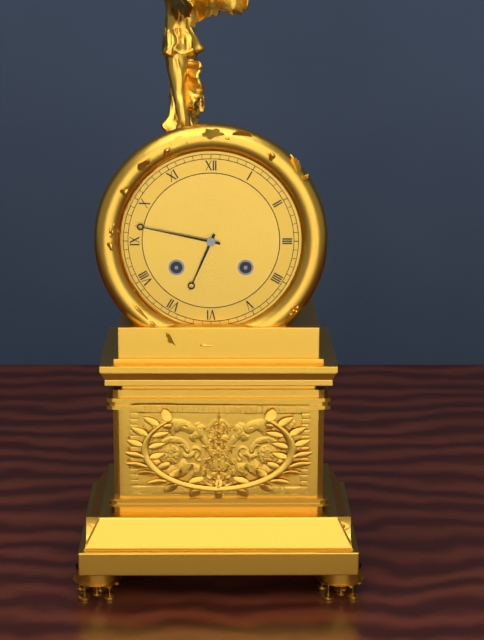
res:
6.47
